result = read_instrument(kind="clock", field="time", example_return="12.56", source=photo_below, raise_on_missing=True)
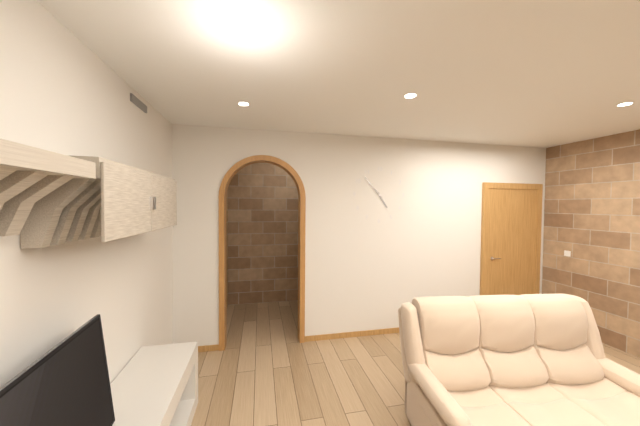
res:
4.53
